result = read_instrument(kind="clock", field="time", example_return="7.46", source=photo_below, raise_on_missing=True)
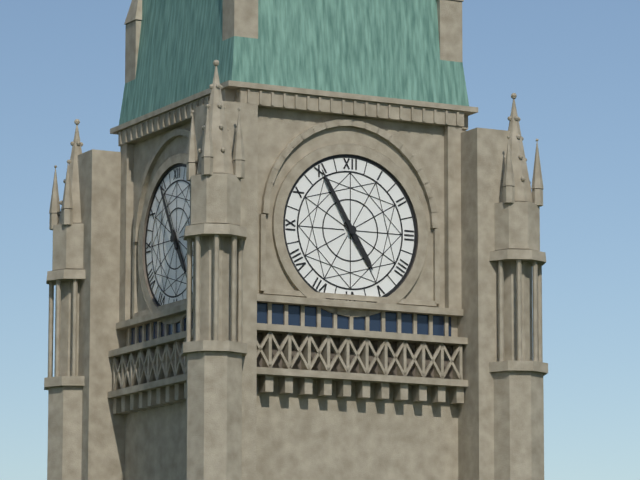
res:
4.55
